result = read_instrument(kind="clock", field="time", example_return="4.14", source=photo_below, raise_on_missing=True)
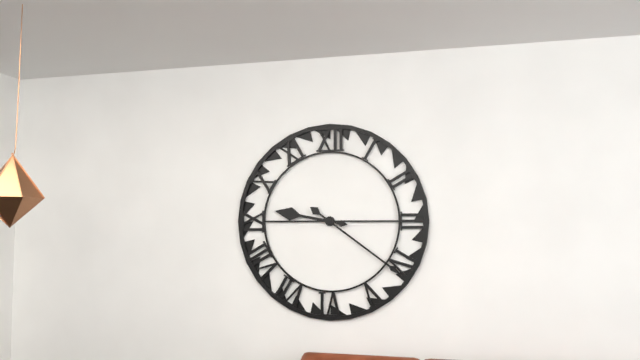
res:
9.21
